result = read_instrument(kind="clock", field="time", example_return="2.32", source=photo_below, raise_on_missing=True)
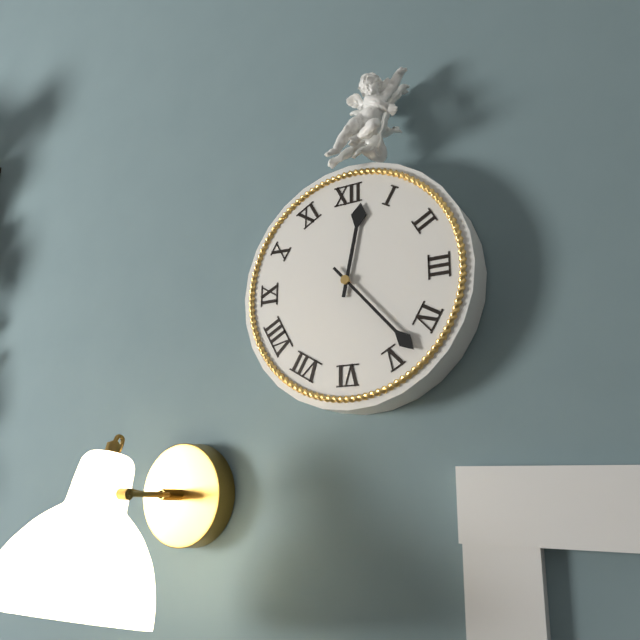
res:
12.23
